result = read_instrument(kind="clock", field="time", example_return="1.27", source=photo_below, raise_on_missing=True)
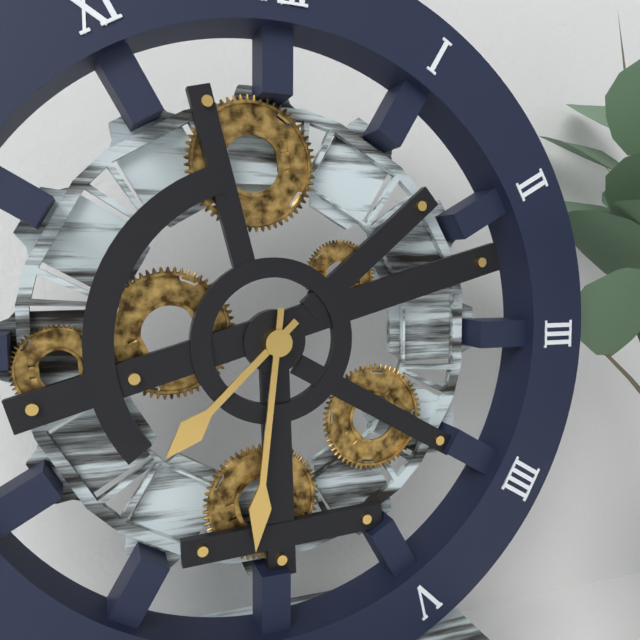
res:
7.31
